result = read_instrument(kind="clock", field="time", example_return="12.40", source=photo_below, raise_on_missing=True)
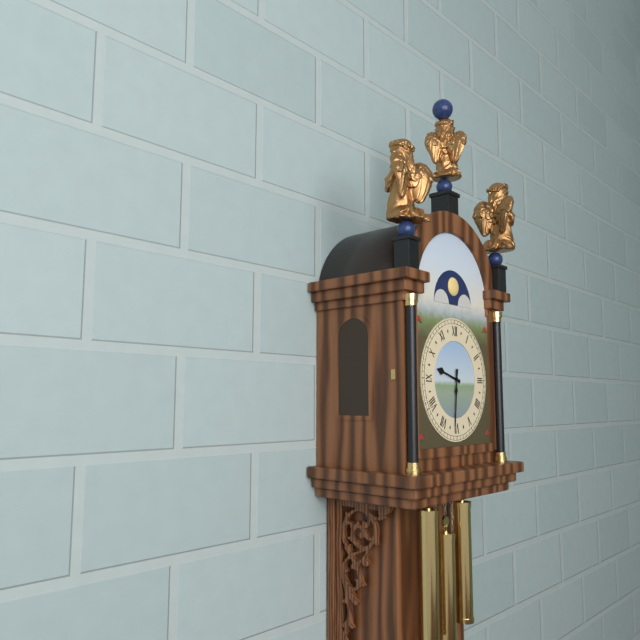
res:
9.31
